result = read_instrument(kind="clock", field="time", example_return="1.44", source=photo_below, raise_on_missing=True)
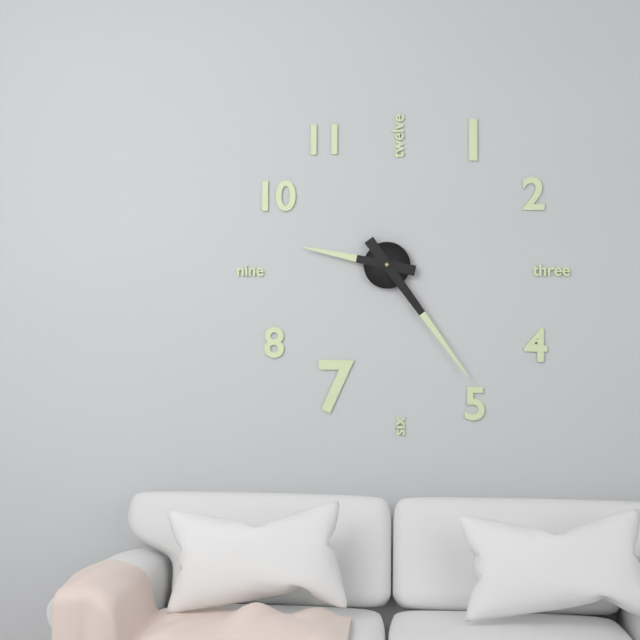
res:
9.24
